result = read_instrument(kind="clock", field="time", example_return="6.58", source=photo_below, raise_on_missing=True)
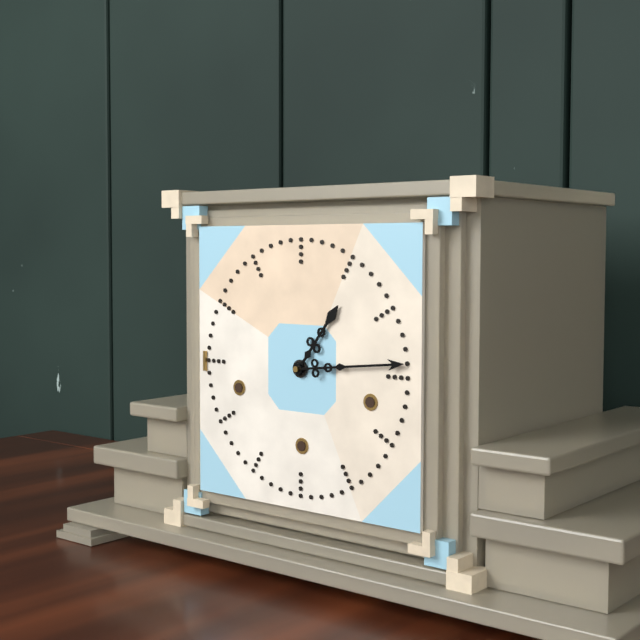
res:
1.14
